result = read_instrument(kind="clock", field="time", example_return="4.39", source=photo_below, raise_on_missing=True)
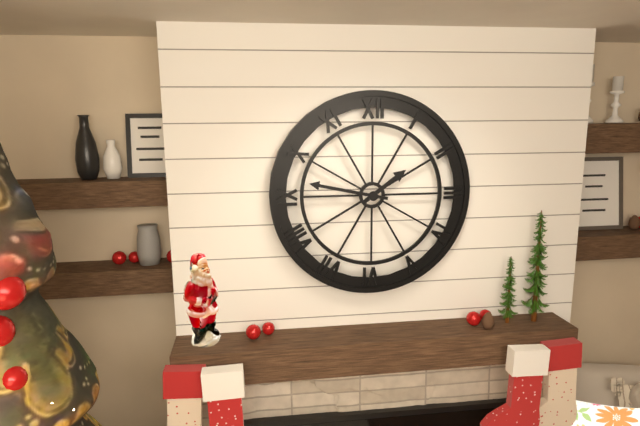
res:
1.47
